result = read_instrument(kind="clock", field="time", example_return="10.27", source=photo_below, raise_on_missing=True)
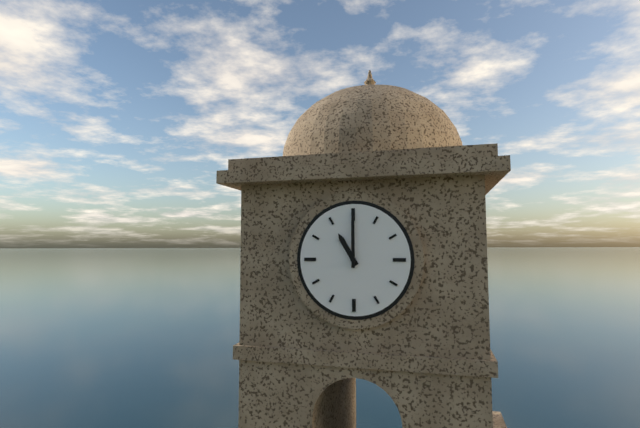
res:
11.00
